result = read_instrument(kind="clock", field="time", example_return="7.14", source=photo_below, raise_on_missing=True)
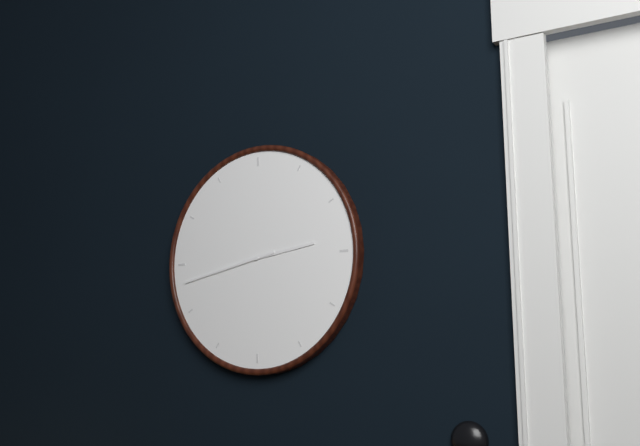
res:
2.43
